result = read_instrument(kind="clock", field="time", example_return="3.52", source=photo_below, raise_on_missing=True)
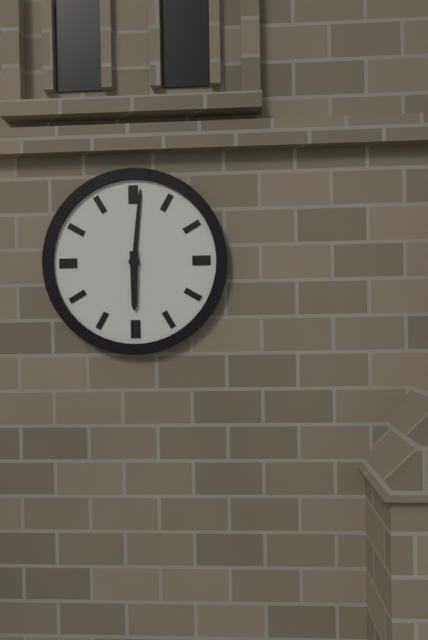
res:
6.01
